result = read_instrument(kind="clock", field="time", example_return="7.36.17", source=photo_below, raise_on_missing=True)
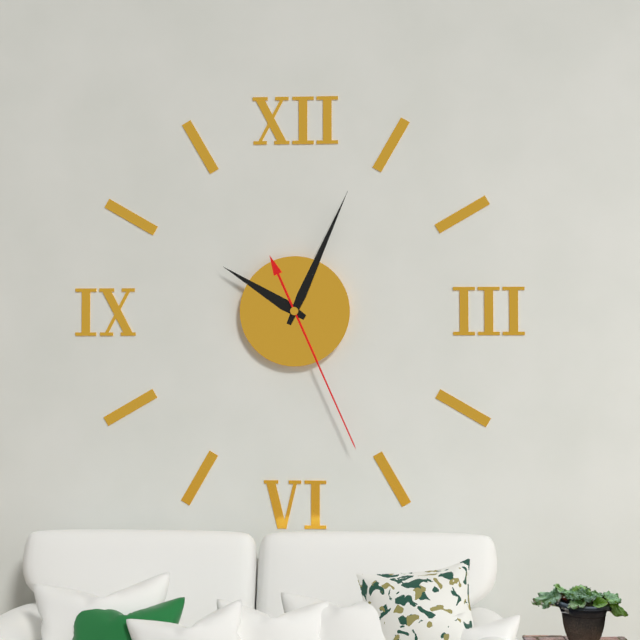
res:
10.04.26
